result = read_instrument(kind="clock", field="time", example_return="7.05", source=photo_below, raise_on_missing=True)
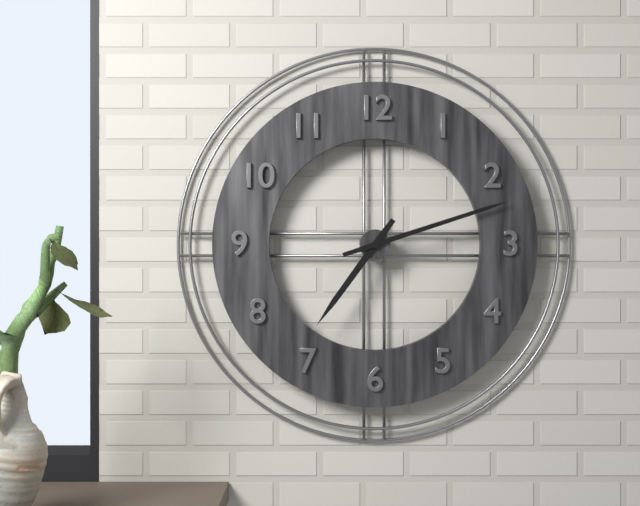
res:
7.12
